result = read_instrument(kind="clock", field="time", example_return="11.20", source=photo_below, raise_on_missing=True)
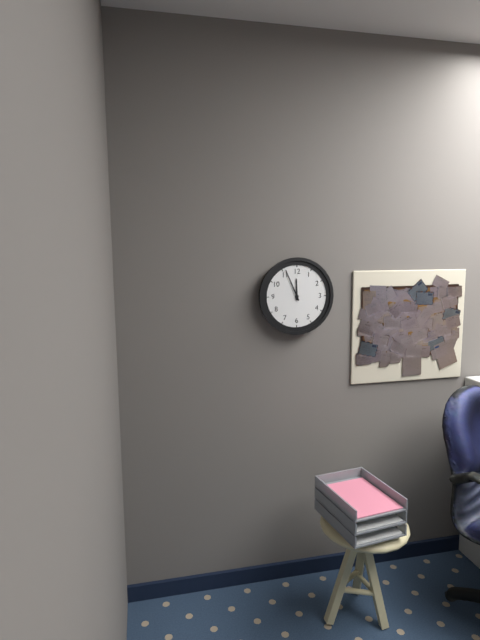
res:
11.56
